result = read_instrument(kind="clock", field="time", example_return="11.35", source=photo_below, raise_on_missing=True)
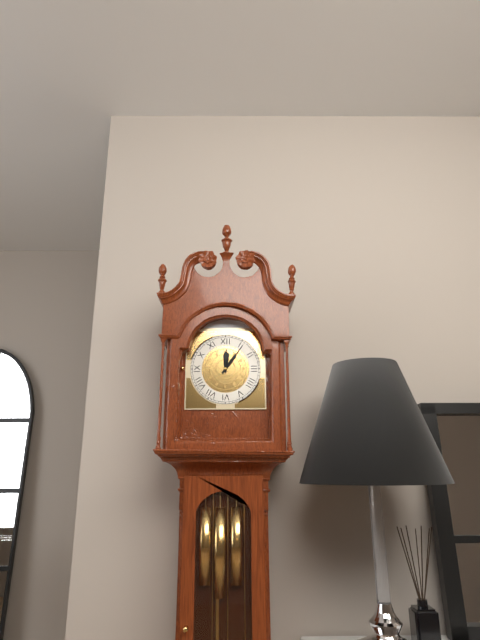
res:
12.06
